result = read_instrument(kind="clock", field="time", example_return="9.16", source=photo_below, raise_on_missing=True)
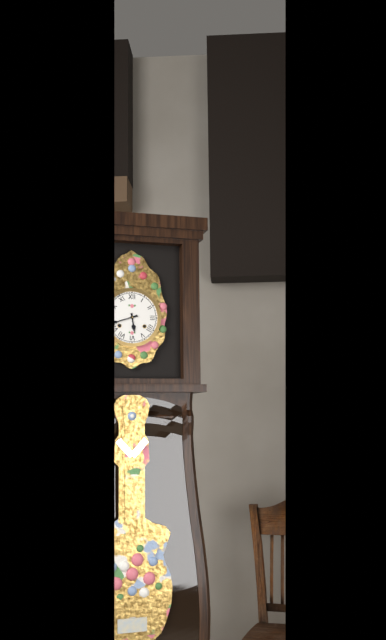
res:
5.42
